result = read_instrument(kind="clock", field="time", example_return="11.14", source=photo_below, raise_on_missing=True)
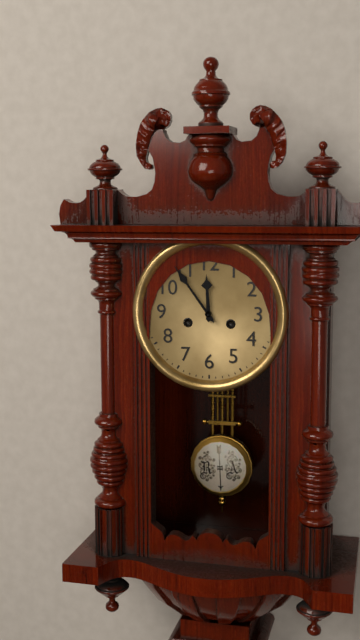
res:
11.54
